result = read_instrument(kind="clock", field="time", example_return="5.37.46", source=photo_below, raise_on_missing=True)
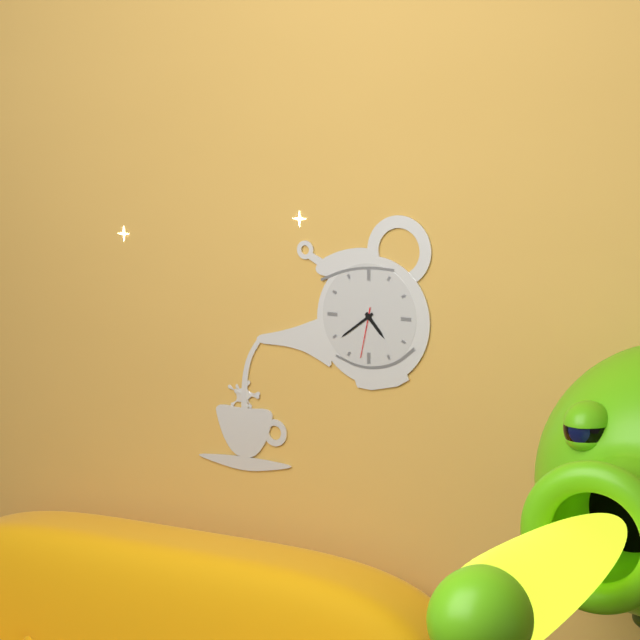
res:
4.39.32
